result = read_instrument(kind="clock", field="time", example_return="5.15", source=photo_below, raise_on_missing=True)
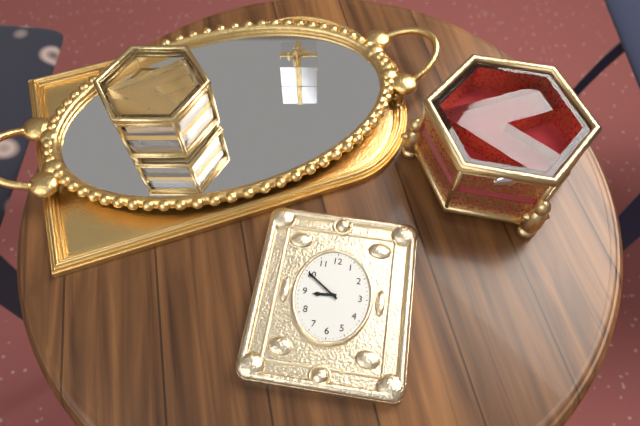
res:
8.51
